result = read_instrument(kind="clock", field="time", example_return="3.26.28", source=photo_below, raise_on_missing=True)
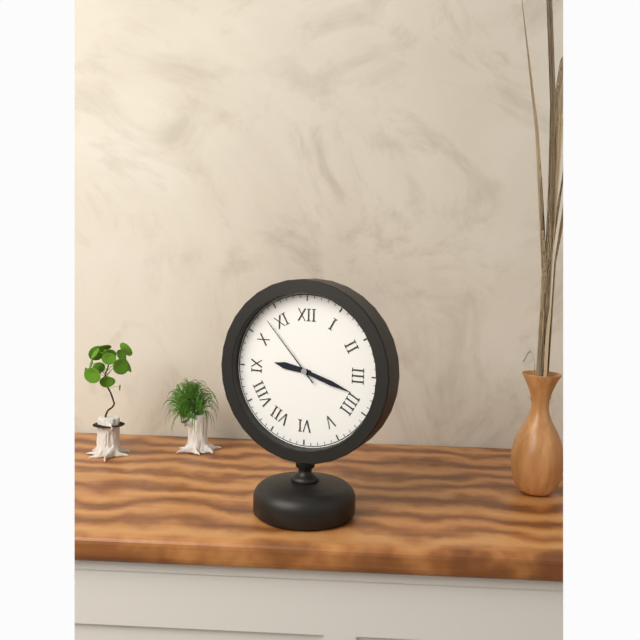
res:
9.18.53
